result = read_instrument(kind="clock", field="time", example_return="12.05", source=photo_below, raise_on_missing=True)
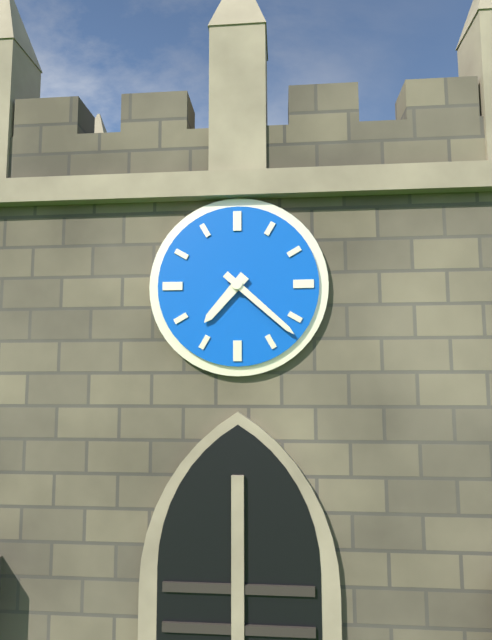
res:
7.22
